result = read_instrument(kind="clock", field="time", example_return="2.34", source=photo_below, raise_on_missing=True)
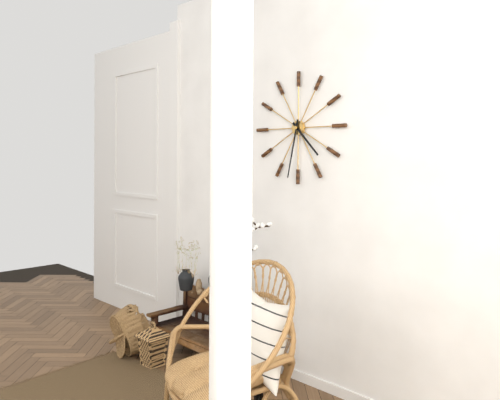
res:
4.32
